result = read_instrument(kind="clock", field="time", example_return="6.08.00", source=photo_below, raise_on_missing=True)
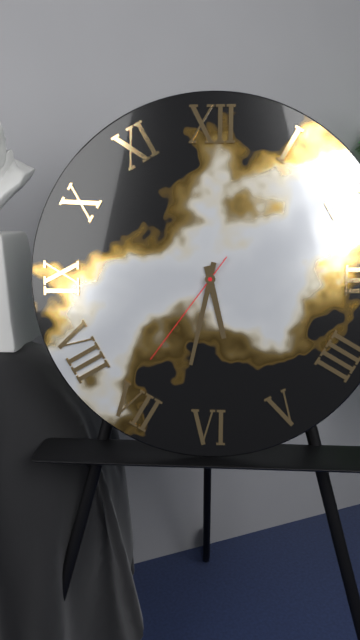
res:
5.32.36
